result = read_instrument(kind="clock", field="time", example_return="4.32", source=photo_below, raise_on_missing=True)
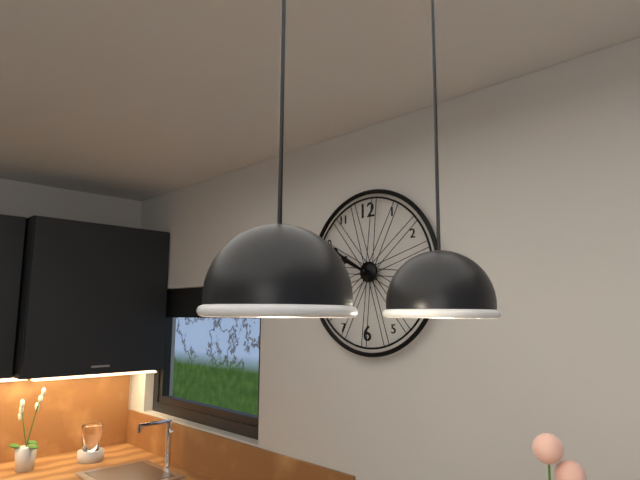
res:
9.50
